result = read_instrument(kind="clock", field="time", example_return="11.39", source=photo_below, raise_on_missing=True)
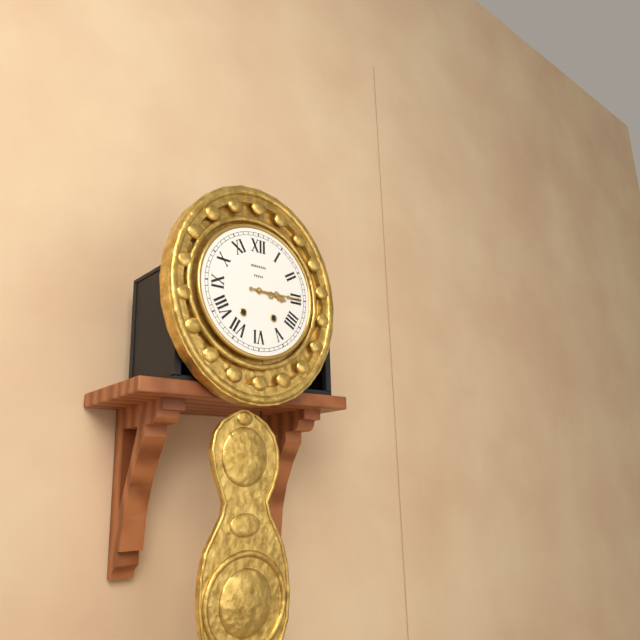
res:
3.15
